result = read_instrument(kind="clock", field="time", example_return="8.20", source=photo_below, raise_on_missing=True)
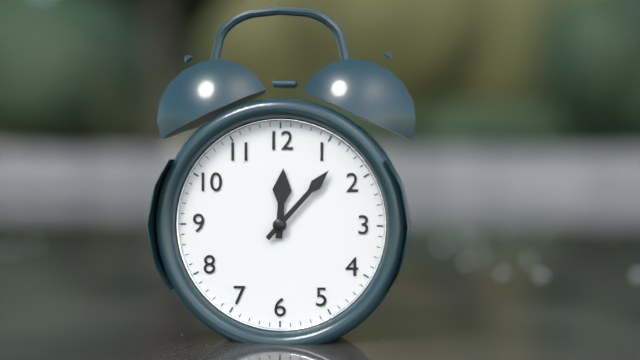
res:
12.07
